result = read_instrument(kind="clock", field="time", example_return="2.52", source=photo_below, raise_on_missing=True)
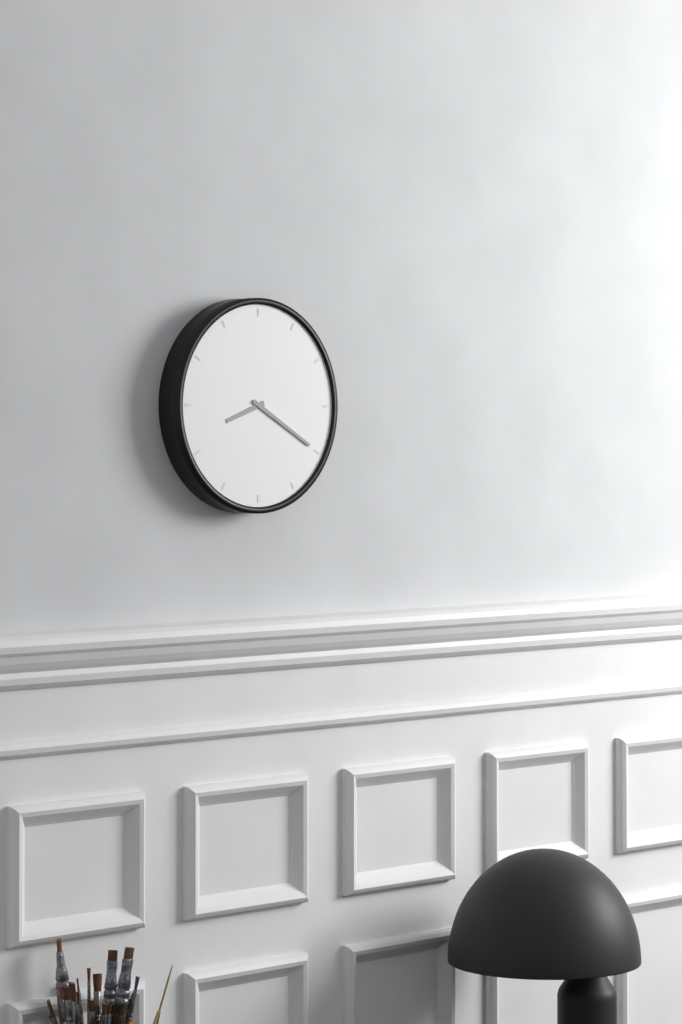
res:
8.20
